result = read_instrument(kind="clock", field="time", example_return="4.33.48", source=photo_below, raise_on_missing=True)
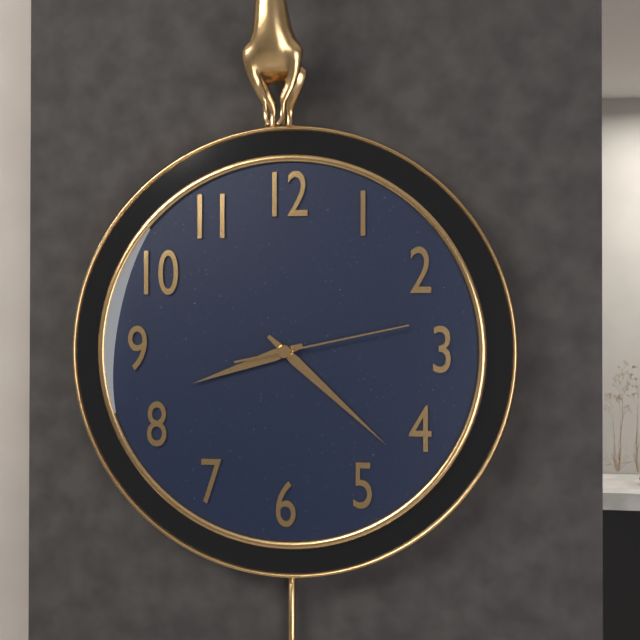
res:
8.22.13
